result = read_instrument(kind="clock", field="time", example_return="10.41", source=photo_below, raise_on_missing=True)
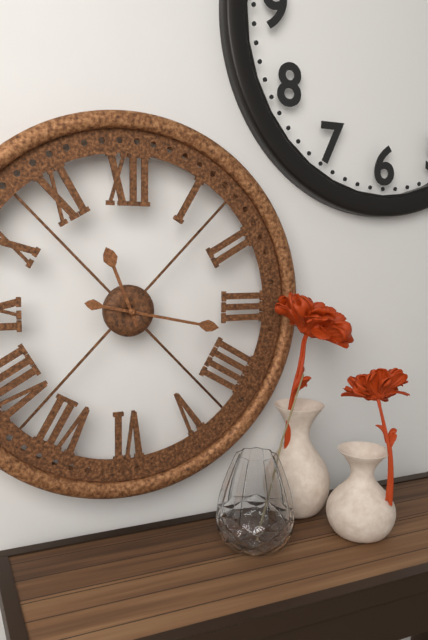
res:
11.17
